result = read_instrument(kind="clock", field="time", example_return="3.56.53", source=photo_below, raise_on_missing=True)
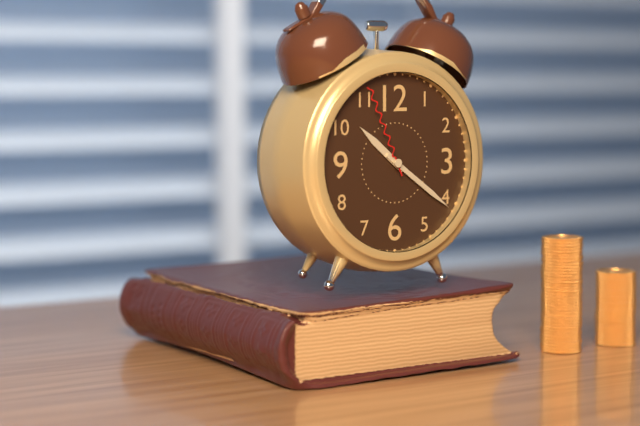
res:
10.21.56
